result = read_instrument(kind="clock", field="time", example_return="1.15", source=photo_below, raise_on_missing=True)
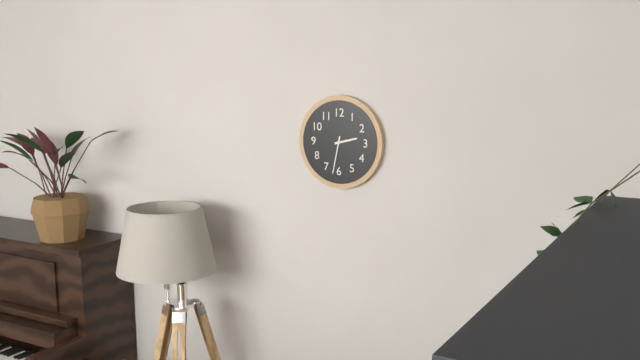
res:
2.32
